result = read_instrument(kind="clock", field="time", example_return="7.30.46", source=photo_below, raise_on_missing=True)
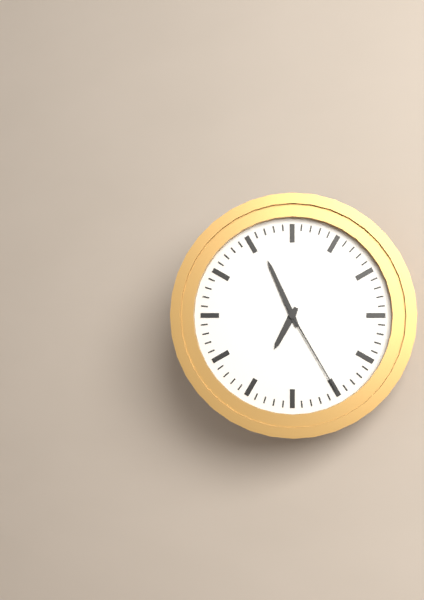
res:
6.56.25
